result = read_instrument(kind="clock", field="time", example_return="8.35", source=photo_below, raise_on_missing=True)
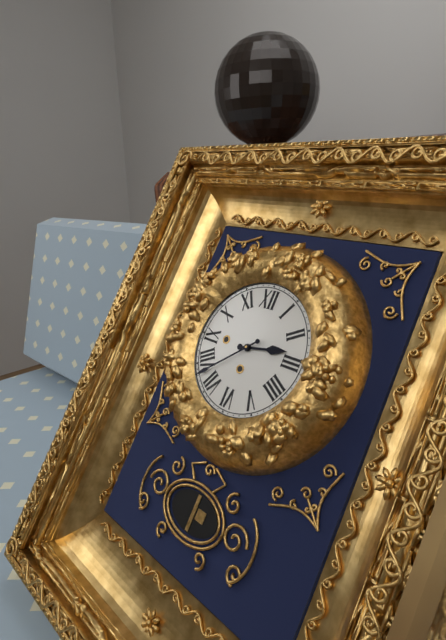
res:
2.38
